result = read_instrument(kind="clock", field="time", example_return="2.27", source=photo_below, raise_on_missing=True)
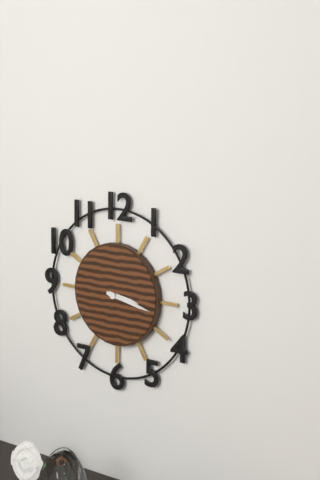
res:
3.17
